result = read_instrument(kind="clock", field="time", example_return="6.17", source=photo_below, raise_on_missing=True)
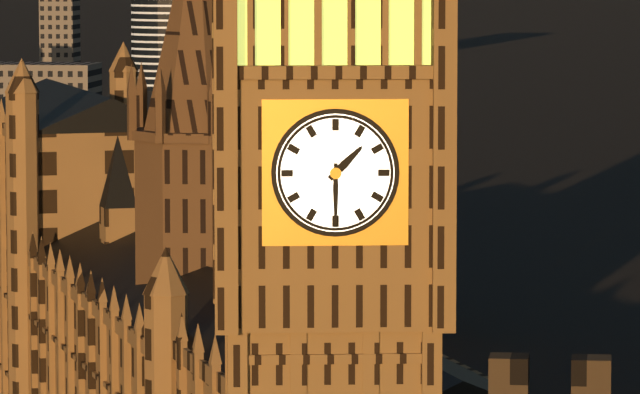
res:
1.30
